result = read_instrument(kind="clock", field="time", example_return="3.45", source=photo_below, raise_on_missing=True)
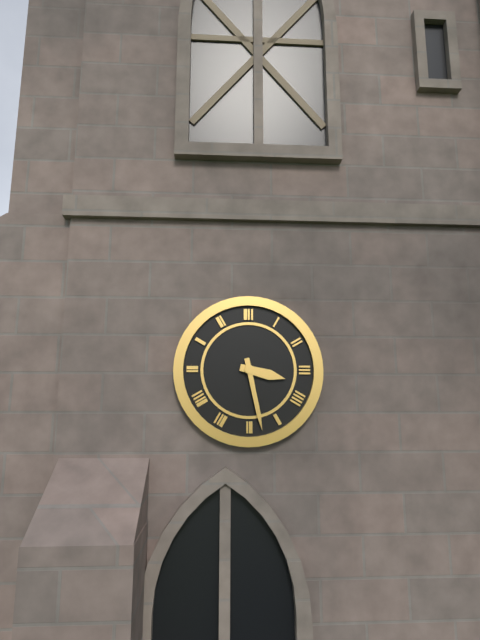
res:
3.28
